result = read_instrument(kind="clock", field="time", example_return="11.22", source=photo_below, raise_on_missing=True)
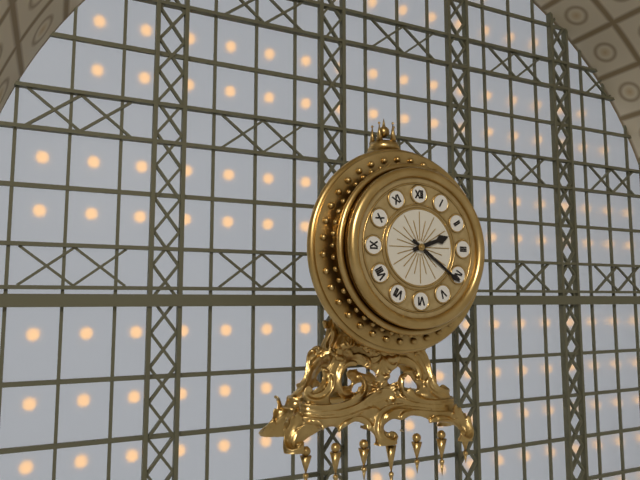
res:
2.21
